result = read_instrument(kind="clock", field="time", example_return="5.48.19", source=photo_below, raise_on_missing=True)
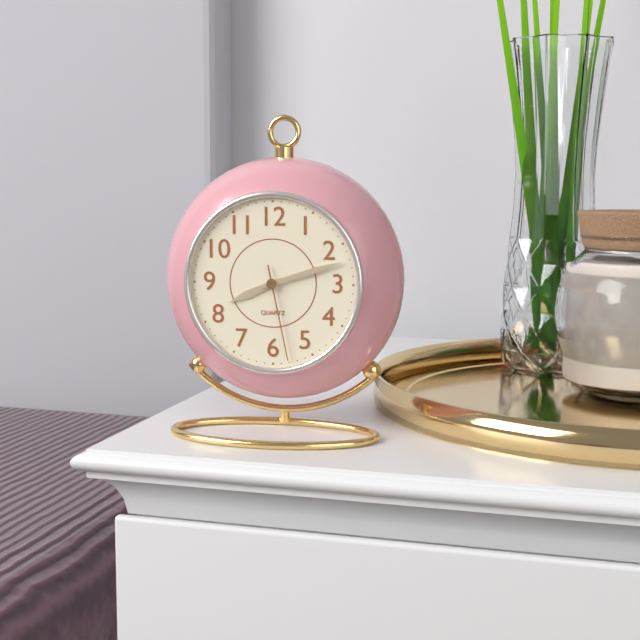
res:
8.12.28
